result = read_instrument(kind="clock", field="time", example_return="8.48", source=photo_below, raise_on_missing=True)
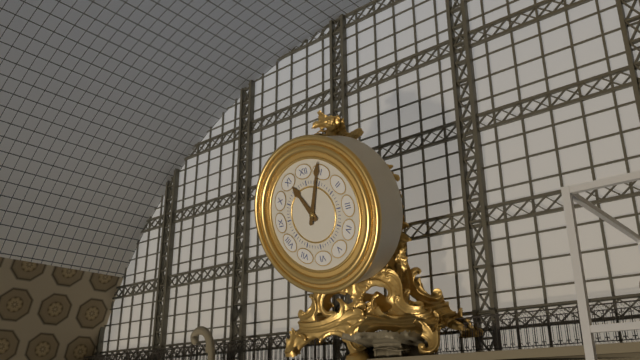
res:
11.04
